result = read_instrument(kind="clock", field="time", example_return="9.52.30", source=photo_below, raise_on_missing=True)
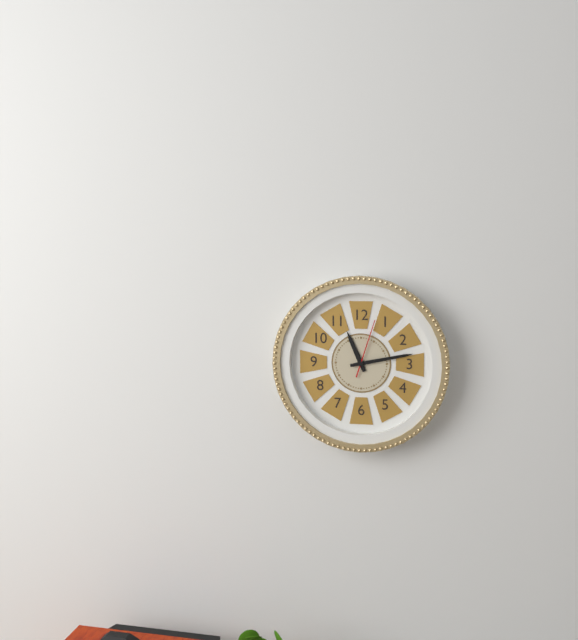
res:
11.13.03
